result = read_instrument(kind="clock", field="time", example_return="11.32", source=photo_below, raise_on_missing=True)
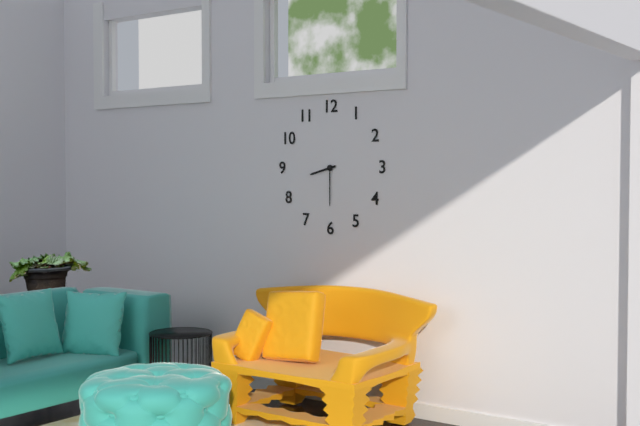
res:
8.30
